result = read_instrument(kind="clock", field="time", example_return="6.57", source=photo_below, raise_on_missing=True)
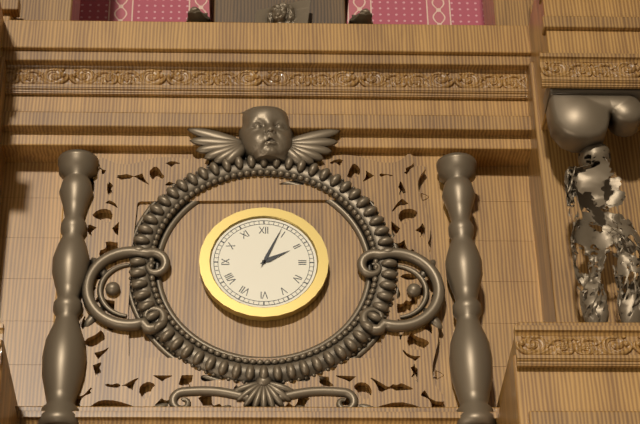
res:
2.04
